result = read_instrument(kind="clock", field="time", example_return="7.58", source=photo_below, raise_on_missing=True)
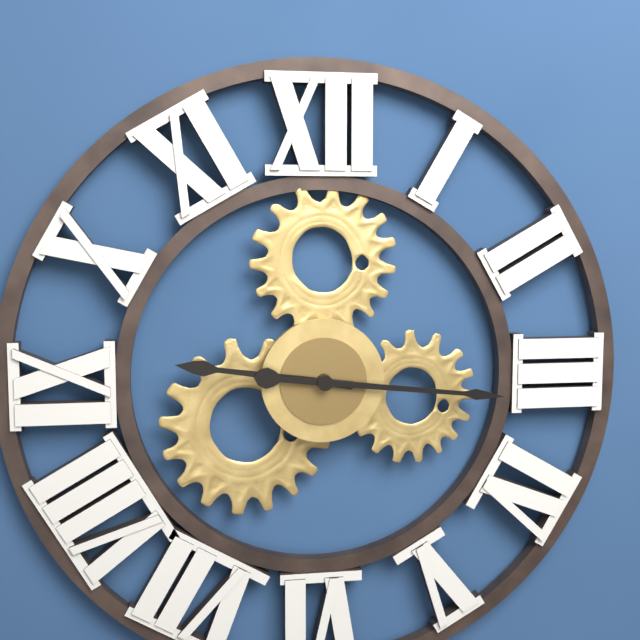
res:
9.16
